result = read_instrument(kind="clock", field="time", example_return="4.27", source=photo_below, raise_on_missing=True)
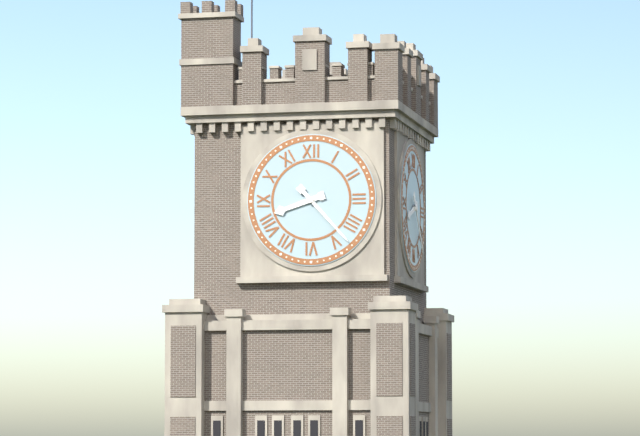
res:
8.23
